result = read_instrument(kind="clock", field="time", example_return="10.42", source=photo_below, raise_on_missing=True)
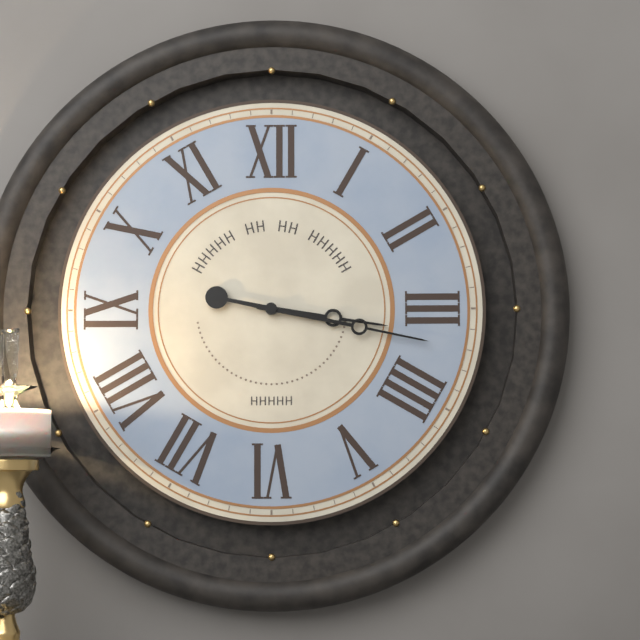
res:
3.17
